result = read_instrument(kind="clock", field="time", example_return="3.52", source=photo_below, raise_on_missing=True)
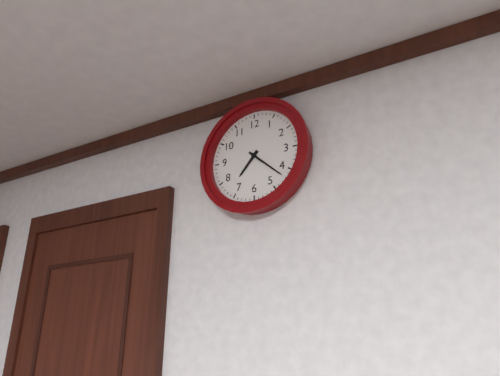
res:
7.22
